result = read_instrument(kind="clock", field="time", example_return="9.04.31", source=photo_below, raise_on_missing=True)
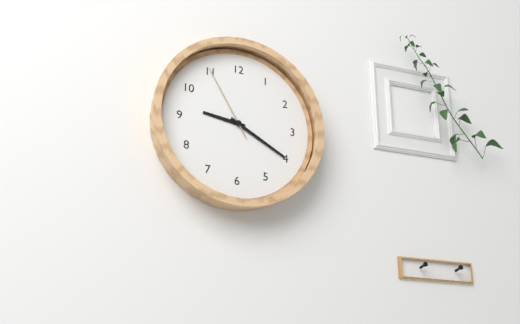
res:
9.20.55
